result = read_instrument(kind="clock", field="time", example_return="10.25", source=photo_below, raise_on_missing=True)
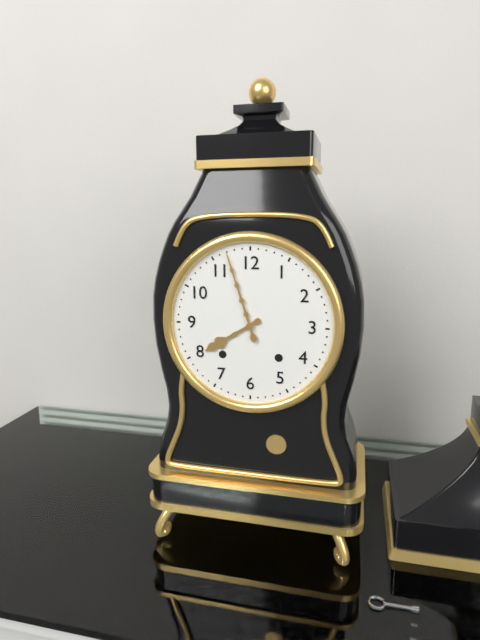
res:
7.57
